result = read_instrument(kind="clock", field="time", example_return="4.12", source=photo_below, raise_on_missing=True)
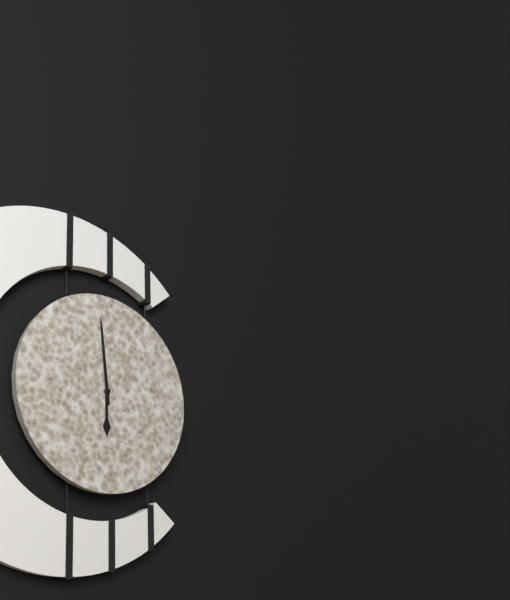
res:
5.59
